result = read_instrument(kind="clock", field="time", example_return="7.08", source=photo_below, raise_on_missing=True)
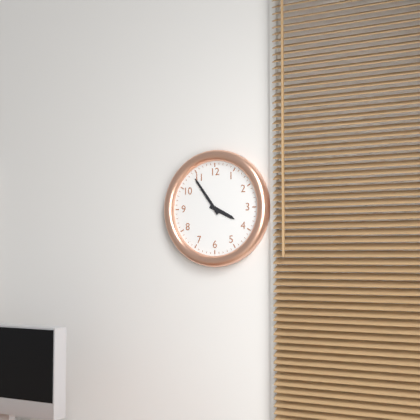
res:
3.54
